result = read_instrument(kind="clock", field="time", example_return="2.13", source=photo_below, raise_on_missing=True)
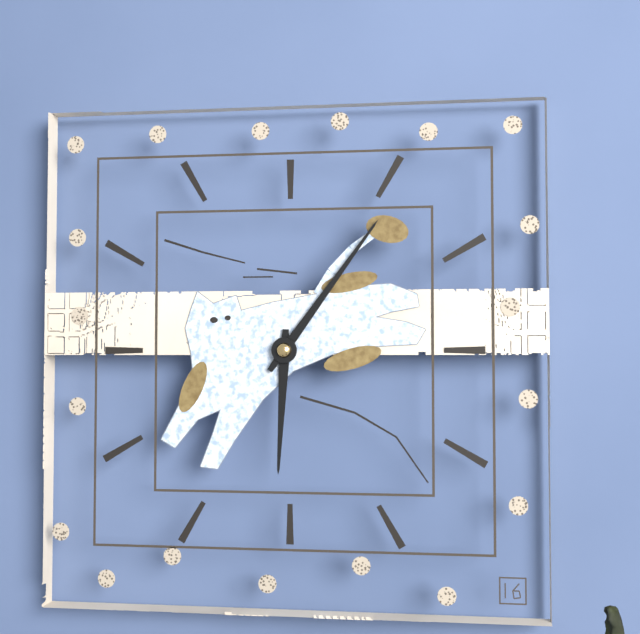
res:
6.06
